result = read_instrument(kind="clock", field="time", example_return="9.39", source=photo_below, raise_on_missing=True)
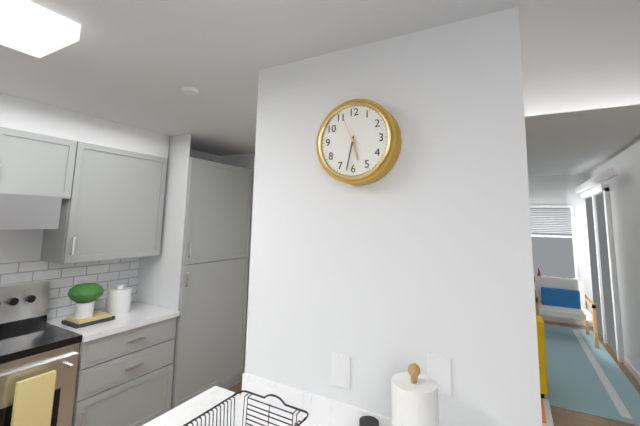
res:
5.32
